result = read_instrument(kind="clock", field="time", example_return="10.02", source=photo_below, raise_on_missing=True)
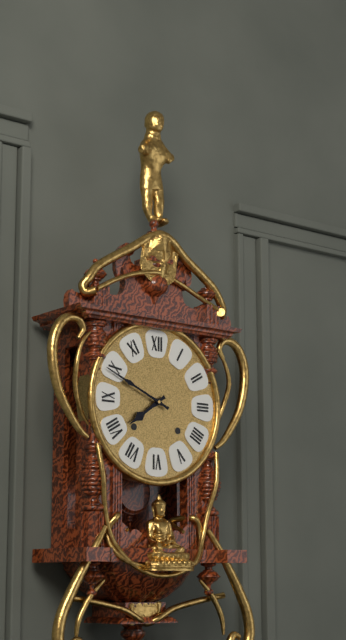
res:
7.49
